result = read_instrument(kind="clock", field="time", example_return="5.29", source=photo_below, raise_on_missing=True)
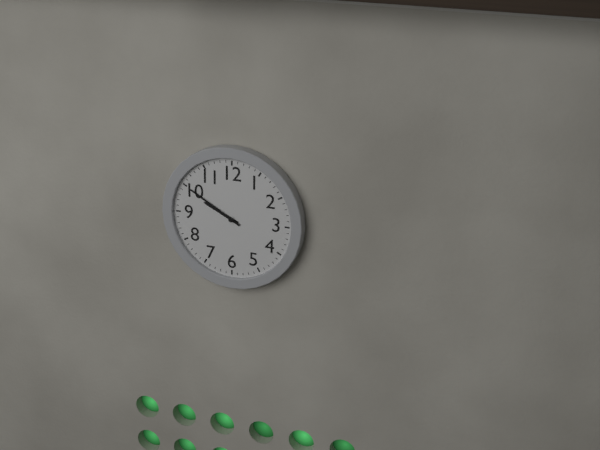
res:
9.50
